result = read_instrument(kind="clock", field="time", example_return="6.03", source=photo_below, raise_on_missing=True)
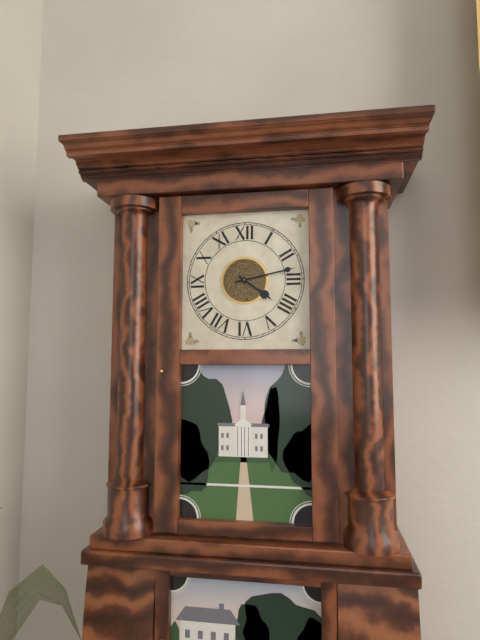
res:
4.13
